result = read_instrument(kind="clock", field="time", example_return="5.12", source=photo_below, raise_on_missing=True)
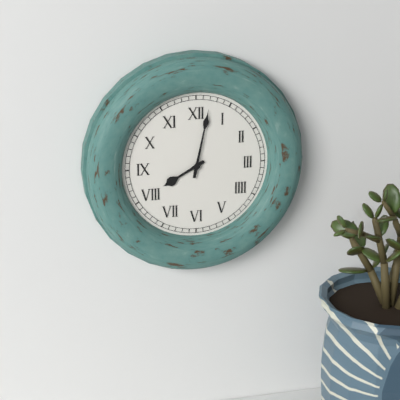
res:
8.02
